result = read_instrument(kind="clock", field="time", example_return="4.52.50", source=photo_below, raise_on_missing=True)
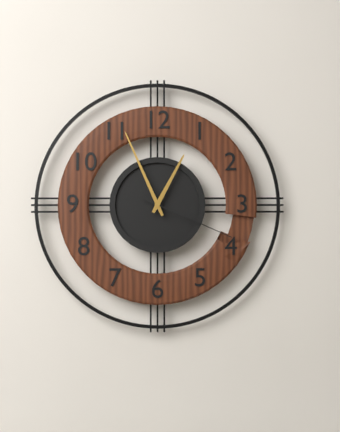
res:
12.56.19
